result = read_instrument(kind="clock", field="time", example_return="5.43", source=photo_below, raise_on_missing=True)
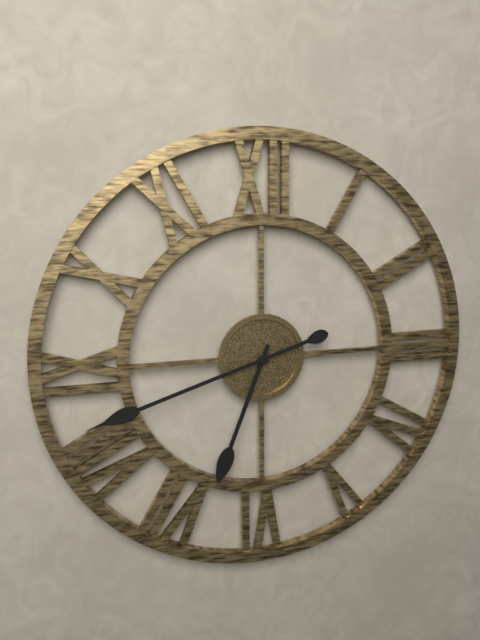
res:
6.42
